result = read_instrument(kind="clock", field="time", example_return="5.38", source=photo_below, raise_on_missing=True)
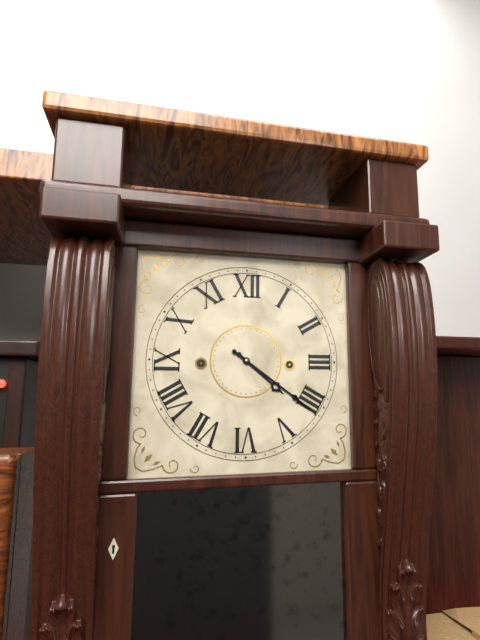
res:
4.21
